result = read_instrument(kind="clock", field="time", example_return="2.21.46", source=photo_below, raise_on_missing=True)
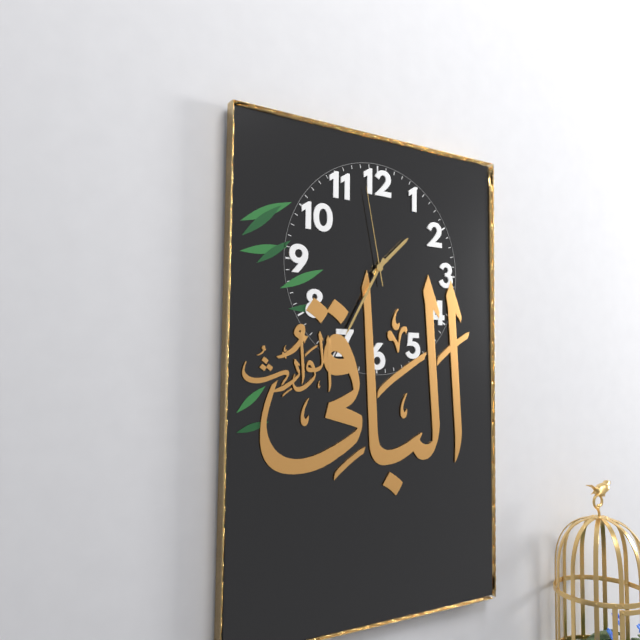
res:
1.35.58
